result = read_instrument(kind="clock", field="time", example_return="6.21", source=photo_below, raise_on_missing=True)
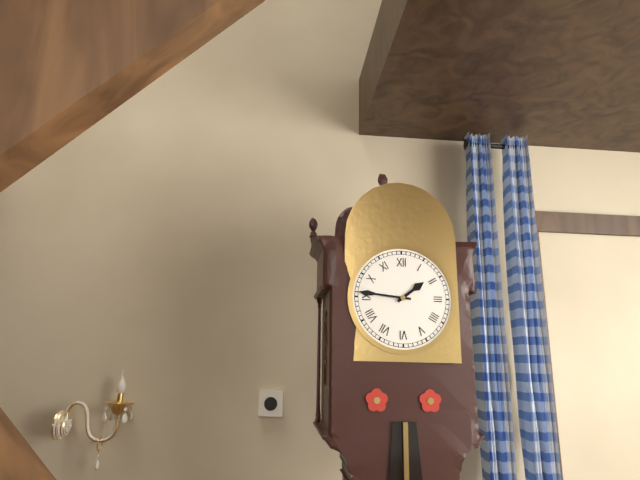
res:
1.46
